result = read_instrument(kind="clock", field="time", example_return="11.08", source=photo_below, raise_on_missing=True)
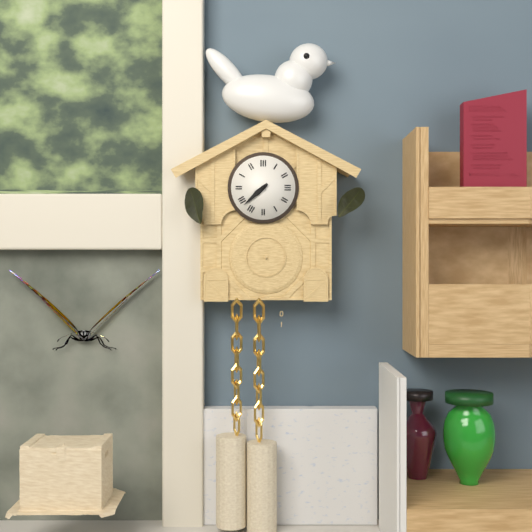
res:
7.38
